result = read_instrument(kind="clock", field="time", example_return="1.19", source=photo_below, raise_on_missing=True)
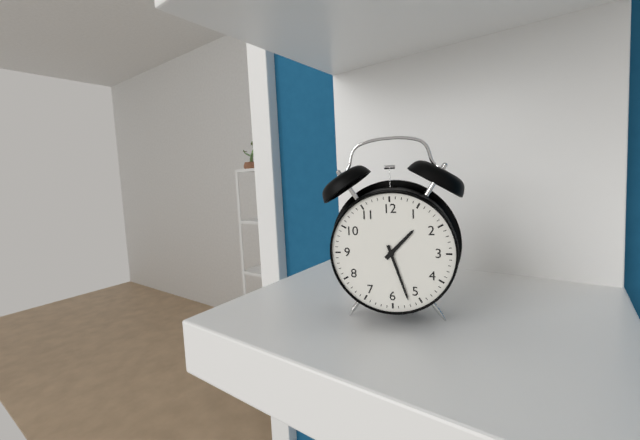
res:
1.27
